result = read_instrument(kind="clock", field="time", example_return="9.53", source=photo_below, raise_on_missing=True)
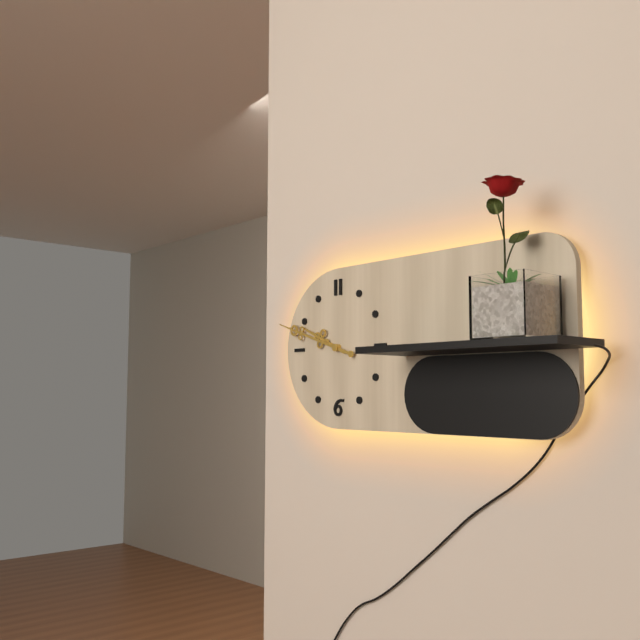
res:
9.48
